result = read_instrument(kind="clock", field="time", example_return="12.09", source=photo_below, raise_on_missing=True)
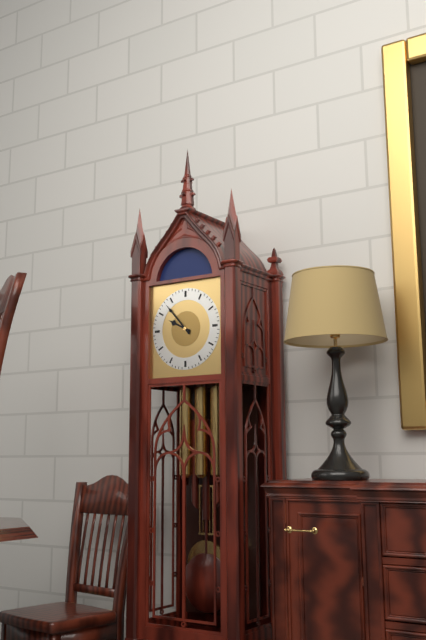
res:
9.53
